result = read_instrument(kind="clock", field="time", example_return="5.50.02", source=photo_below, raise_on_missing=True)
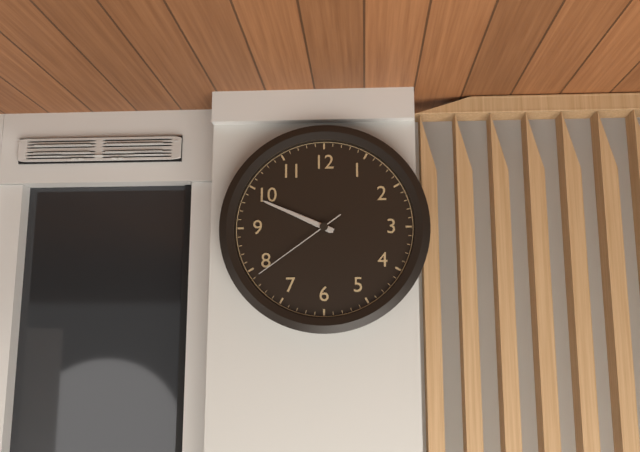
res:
9.49.39
